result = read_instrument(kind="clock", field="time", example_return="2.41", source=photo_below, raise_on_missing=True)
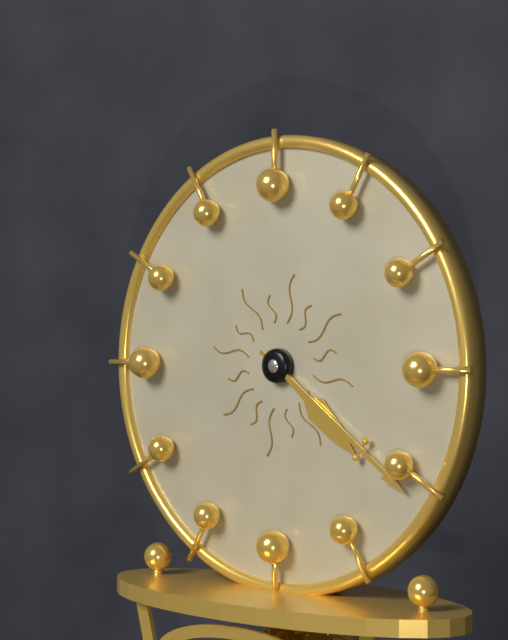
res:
4.21
